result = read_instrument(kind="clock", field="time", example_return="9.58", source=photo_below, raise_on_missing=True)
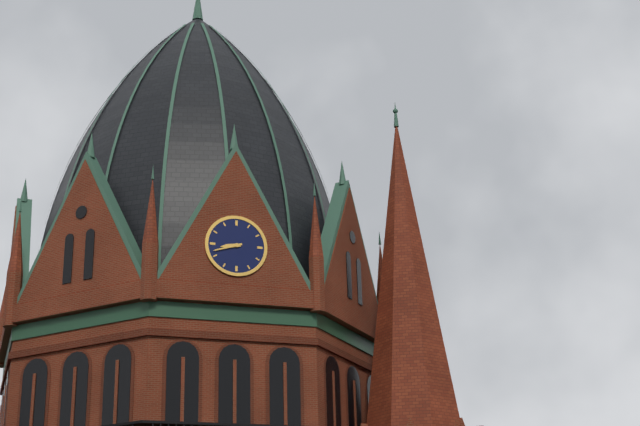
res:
8.42
